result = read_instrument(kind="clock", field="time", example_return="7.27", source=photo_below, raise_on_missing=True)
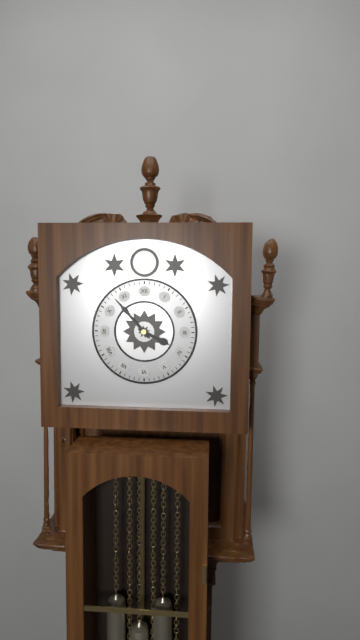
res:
3.53
